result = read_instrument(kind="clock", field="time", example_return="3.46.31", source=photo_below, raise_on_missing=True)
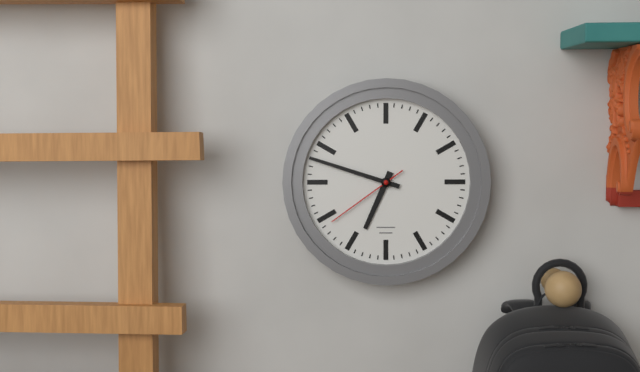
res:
6.48.39
